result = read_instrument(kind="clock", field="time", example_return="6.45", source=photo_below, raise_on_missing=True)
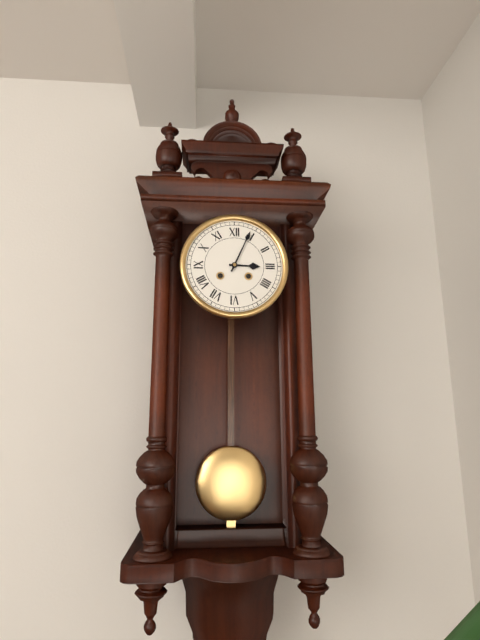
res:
3.04
